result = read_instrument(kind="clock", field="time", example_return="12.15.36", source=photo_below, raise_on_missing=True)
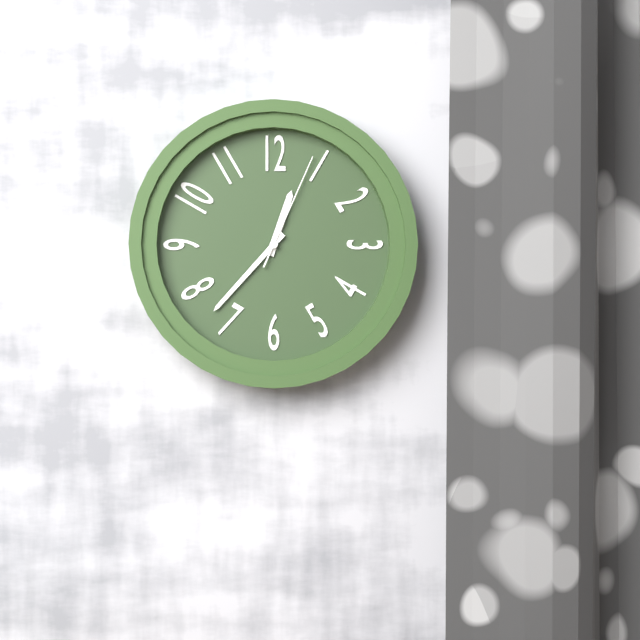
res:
12.37.04
